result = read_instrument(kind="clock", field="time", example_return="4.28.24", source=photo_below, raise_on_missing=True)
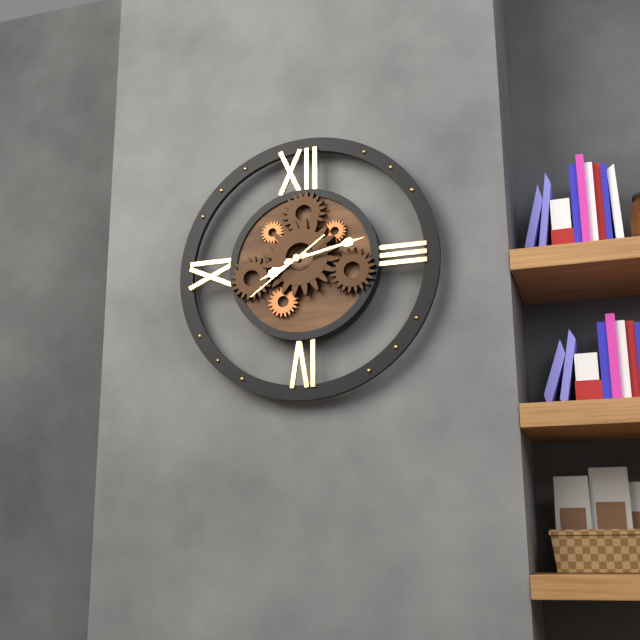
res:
8.13.39
